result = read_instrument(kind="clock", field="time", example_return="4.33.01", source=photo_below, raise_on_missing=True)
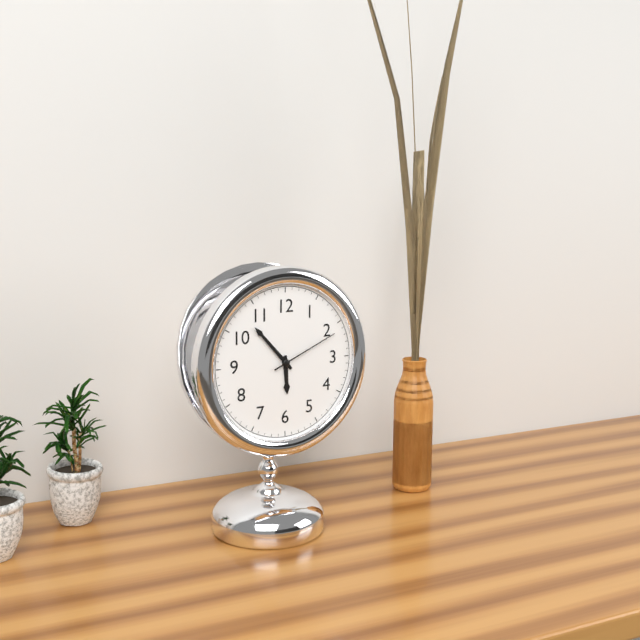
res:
5.53.11
